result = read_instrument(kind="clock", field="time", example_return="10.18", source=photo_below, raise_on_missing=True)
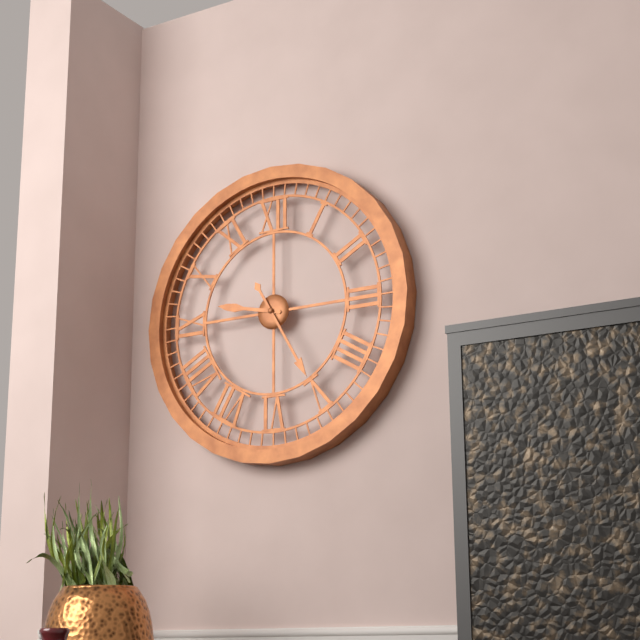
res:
9.25
